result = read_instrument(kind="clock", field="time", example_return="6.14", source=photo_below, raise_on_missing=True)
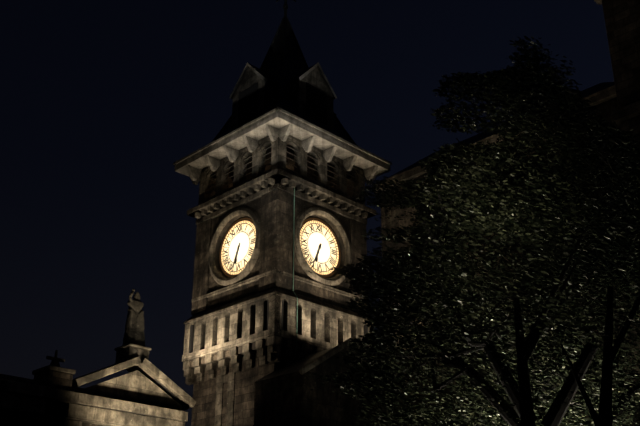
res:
6.34
